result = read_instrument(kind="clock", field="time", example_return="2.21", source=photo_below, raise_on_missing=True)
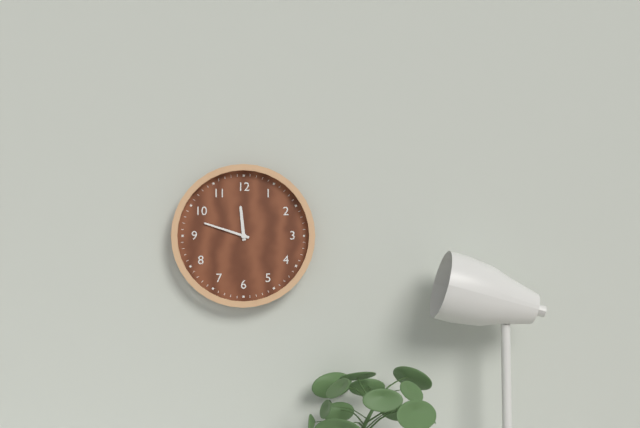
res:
11.48
